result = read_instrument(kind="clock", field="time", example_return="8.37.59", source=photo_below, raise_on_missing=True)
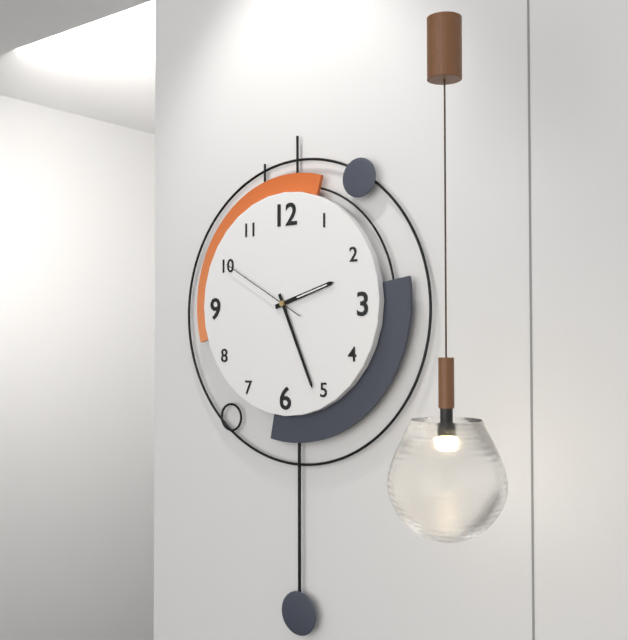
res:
2.26.50
